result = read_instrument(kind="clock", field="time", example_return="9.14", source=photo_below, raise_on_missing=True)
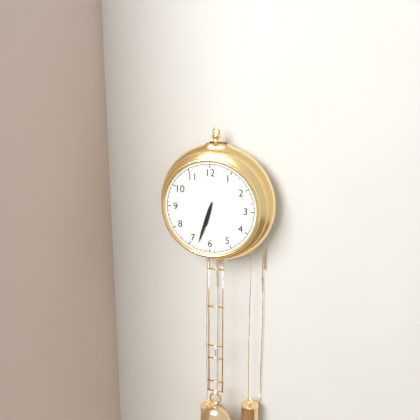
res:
6.33
